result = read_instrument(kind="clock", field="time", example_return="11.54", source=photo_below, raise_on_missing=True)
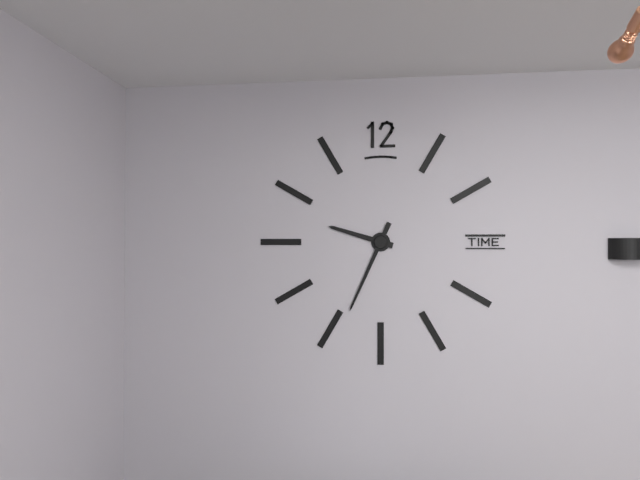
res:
9.34
